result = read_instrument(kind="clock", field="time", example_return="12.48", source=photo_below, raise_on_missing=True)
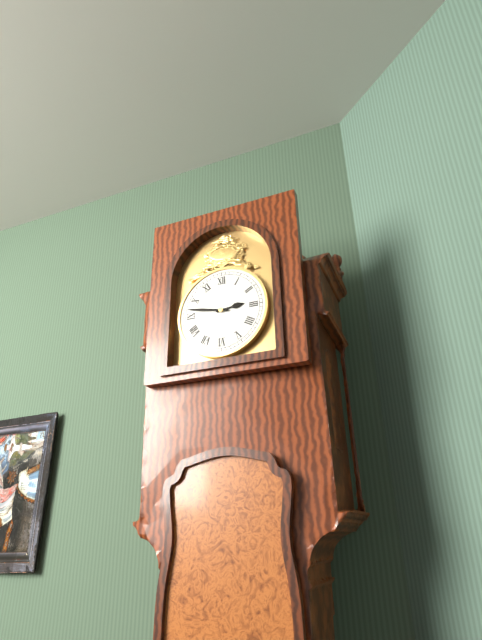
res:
2.47
